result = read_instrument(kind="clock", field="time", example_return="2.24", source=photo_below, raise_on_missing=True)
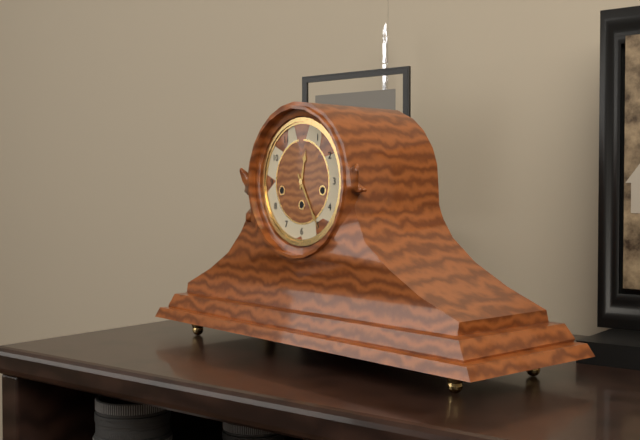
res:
12.25
